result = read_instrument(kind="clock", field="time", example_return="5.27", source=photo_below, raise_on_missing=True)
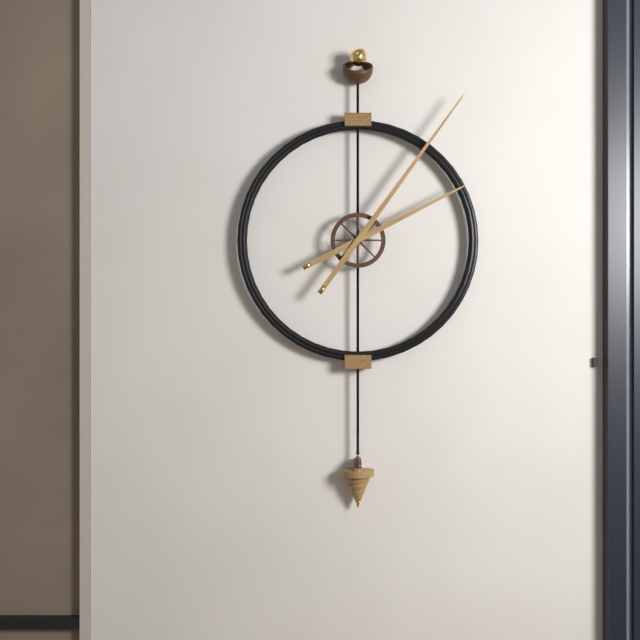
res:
2.06
